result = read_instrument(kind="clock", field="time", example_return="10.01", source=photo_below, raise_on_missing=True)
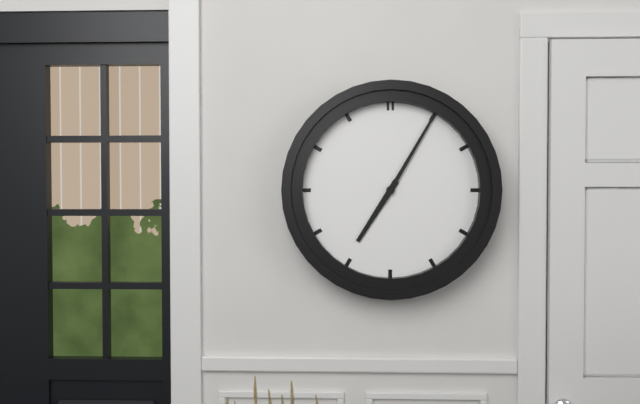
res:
7.05
